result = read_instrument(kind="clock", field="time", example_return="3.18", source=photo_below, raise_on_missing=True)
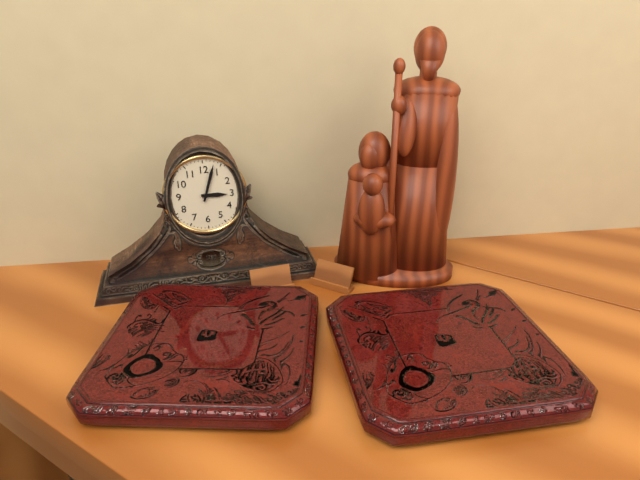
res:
3.03
